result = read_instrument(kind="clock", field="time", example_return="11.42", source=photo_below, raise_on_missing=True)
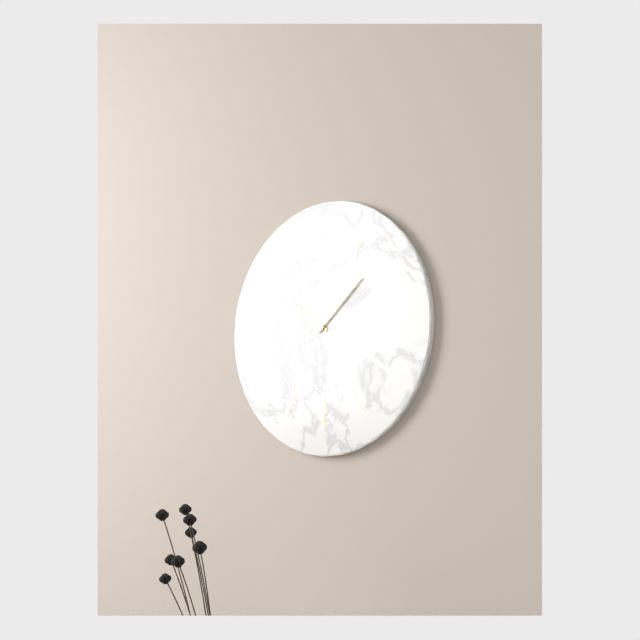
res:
10.08
